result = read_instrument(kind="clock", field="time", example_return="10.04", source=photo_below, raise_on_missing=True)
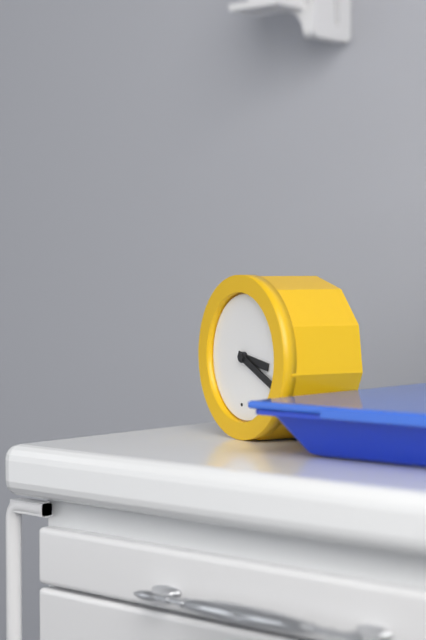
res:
3.19
